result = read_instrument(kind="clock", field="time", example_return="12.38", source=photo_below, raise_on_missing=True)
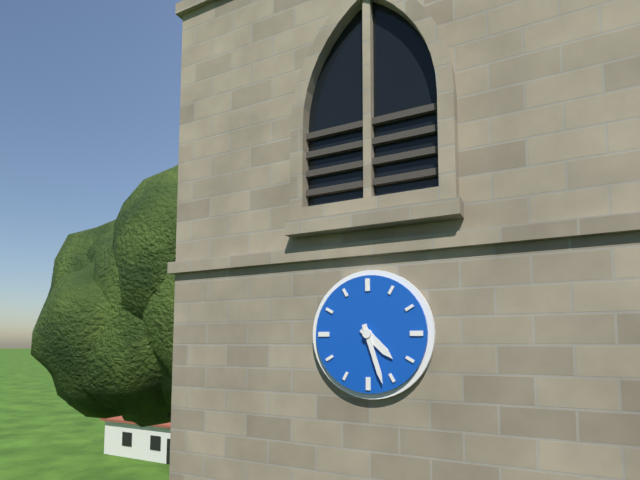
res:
4.27
